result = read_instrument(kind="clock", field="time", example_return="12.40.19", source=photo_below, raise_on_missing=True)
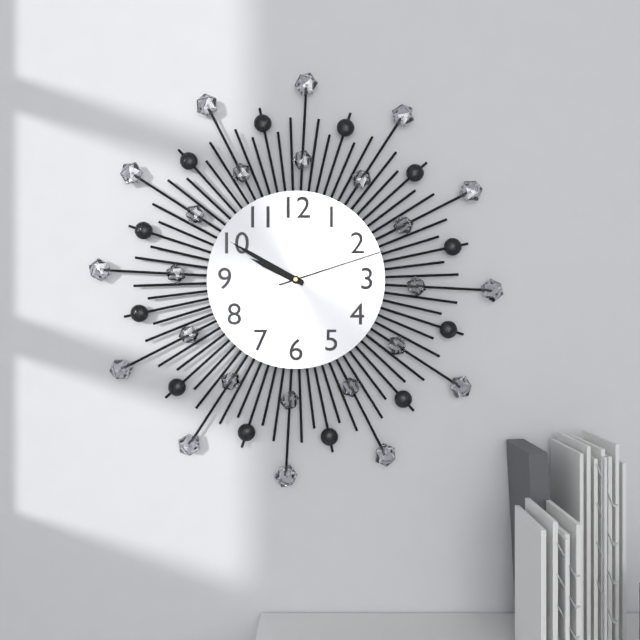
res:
9.50.12
